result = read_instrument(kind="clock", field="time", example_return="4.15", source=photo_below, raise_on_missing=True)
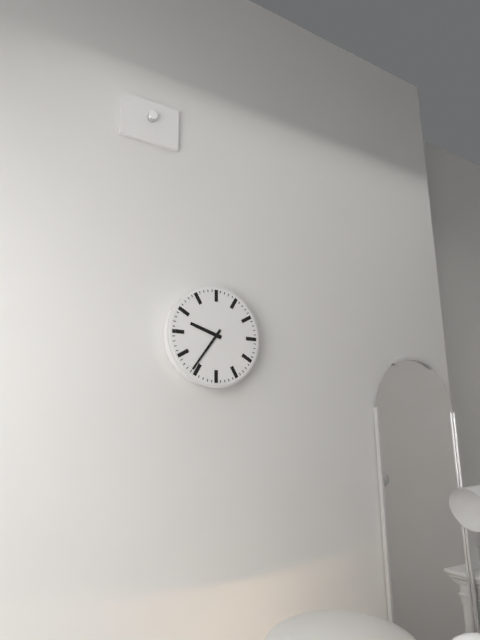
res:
9.36
